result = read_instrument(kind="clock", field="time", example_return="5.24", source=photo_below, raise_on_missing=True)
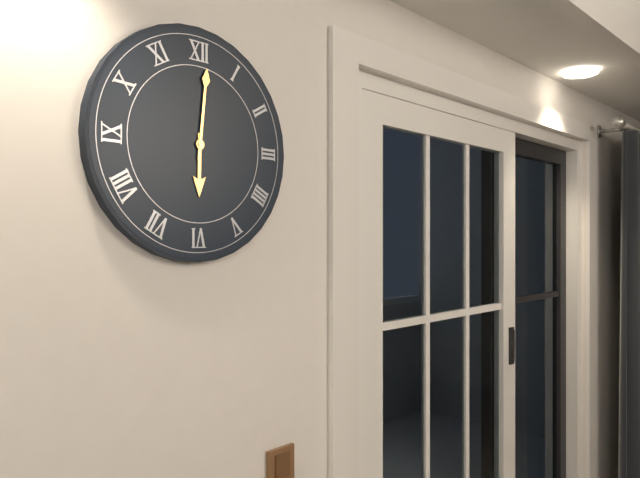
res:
6.01
